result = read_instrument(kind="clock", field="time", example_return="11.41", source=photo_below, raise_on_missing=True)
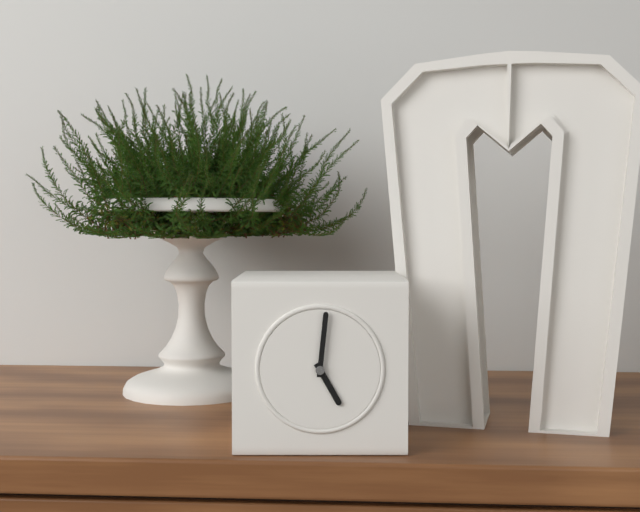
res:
5.01
